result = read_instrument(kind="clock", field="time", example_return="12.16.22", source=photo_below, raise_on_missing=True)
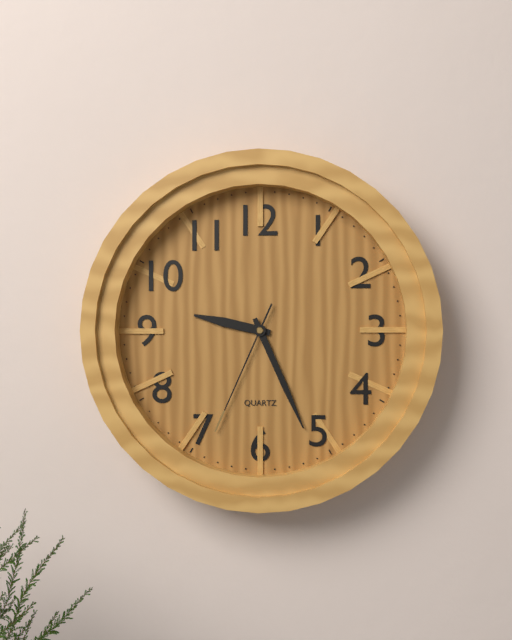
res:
9.26.34
